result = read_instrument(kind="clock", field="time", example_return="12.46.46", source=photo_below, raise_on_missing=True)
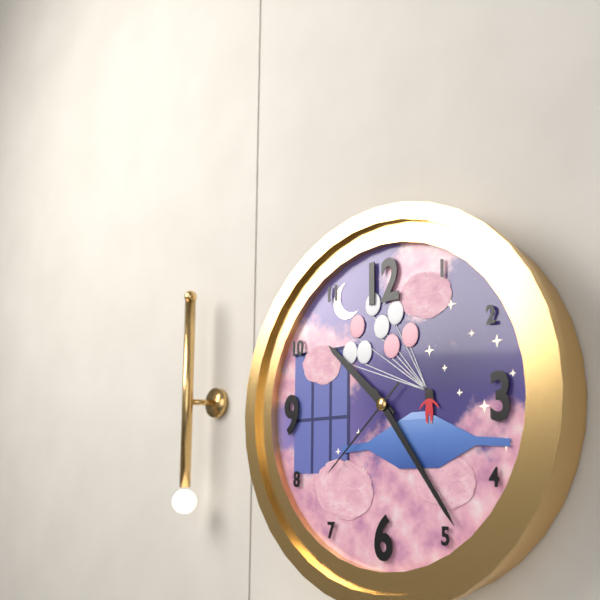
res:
10.24.38
